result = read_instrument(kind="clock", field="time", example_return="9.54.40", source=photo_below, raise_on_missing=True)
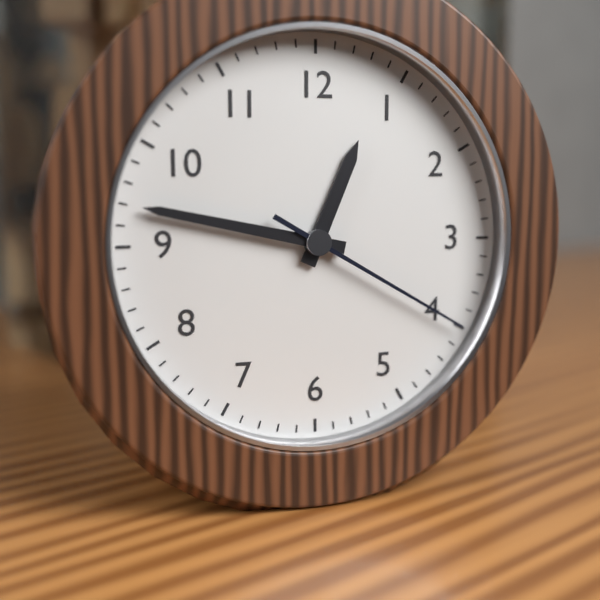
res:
12.47.20
